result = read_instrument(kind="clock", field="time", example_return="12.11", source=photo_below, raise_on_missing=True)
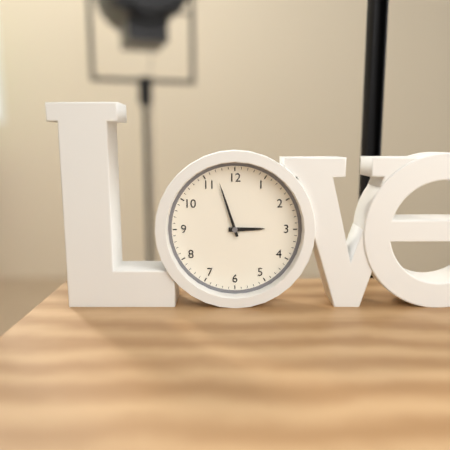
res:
2.57
